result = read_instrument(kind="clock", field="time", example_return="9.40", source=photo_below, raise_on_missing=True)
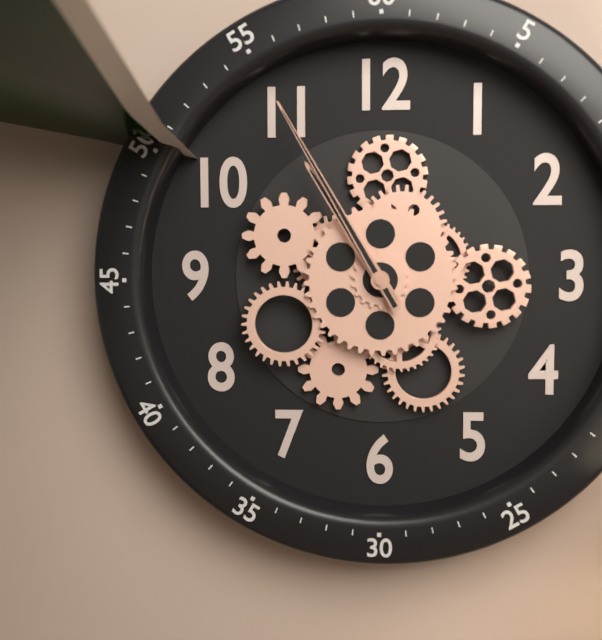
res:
10.55
